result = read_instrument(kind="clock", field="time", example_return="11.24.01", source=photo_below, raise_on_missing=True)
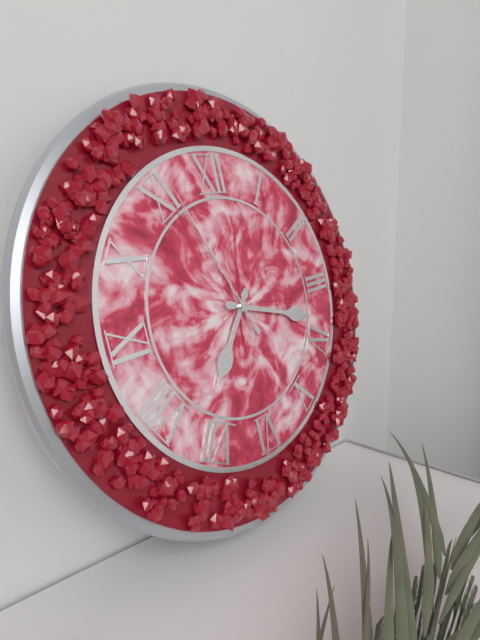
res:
7.18.56
